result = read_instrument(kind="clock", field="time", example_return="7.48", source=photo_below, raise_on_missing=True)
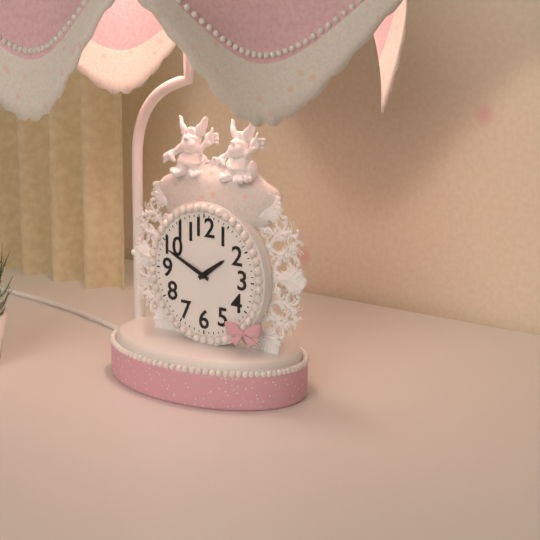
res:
1.49
